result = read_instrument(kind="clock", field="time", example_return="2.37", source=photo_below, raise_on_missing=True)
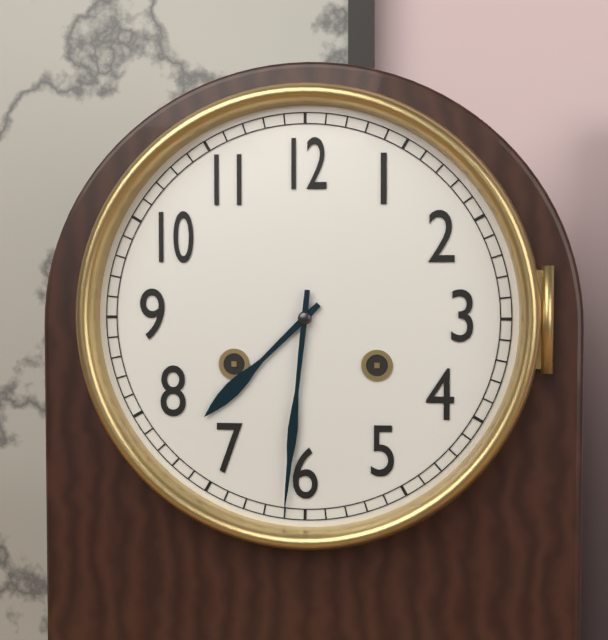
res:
7.31
